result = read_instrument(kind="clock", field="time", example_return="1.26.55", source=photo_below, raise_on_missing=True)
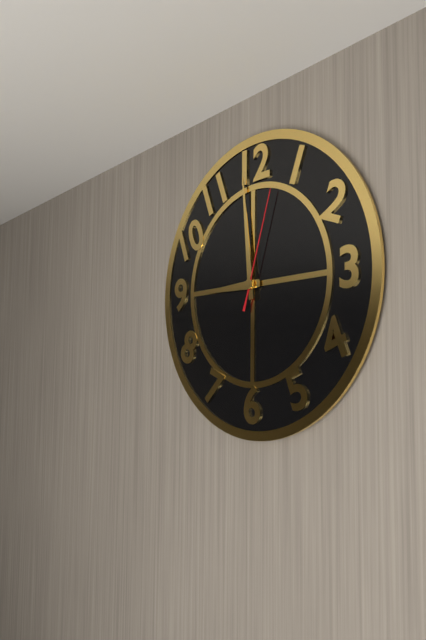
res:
8.59.03
